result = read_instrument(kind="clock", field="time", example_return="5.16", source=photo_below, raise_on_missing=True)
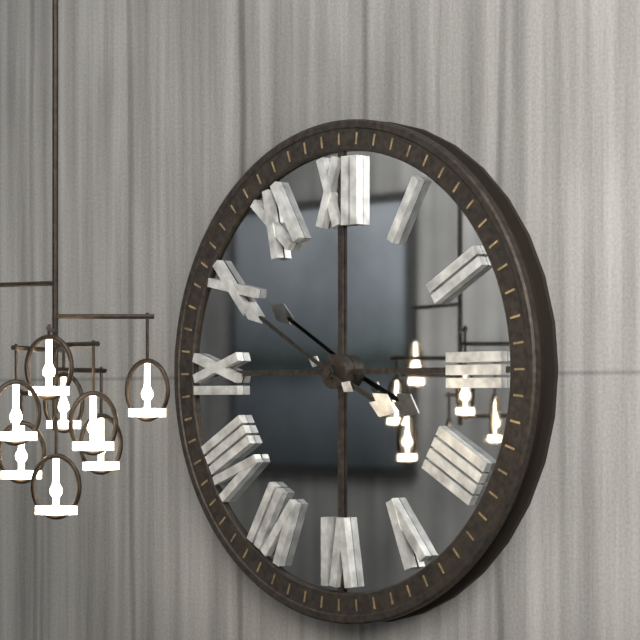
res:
3.50
